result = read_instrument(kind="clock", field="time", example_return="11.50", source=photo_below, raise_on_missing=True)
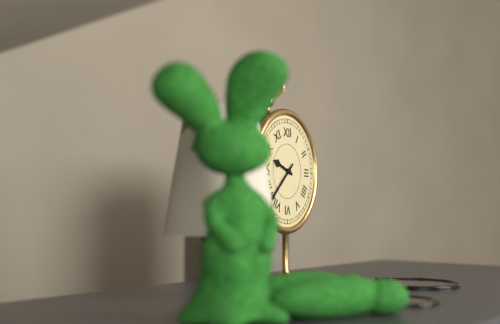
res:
9.38
